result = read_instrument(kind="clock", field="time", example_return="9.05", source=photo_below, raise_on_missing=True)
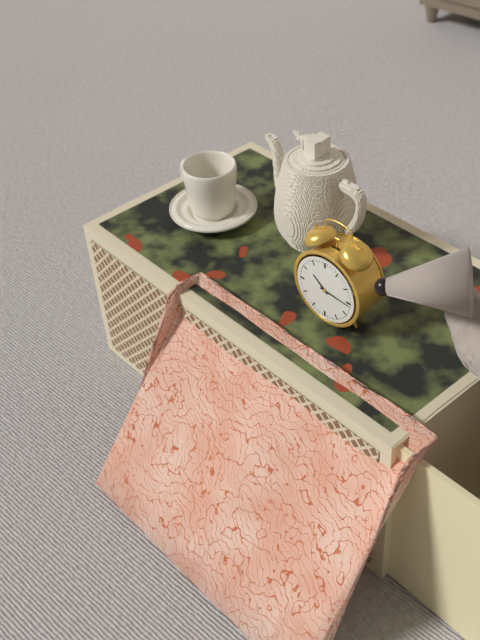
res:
10.16
